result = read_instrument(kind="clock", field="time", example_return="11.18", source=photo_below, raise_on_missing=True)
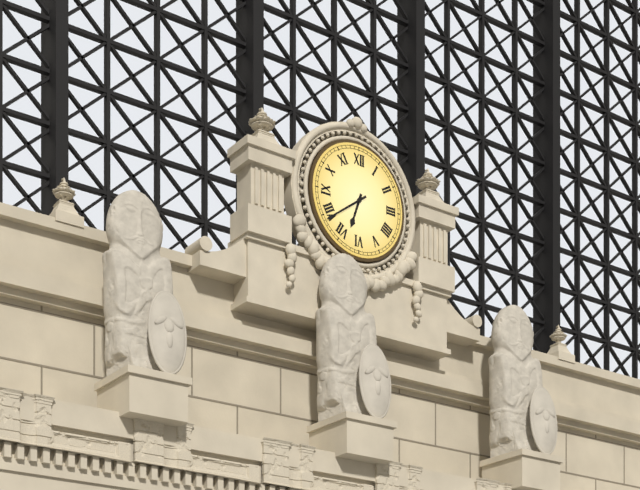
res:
6.39
